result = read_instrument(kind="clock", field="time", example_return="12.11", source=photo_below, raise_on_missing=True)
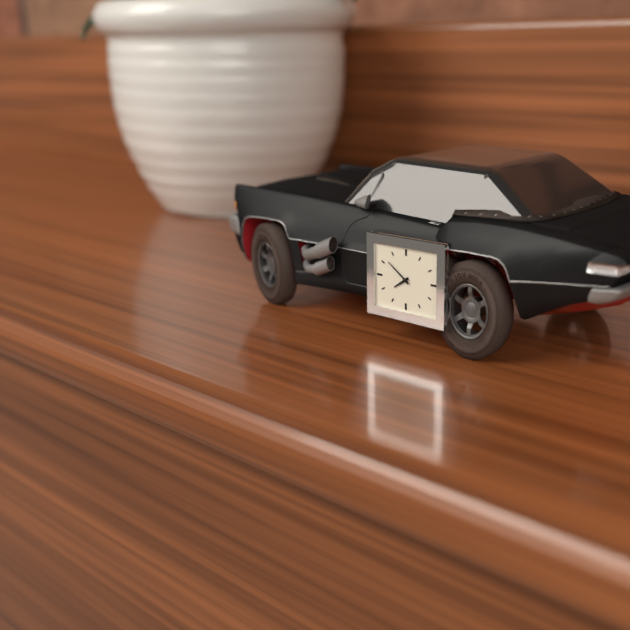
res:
7.51
